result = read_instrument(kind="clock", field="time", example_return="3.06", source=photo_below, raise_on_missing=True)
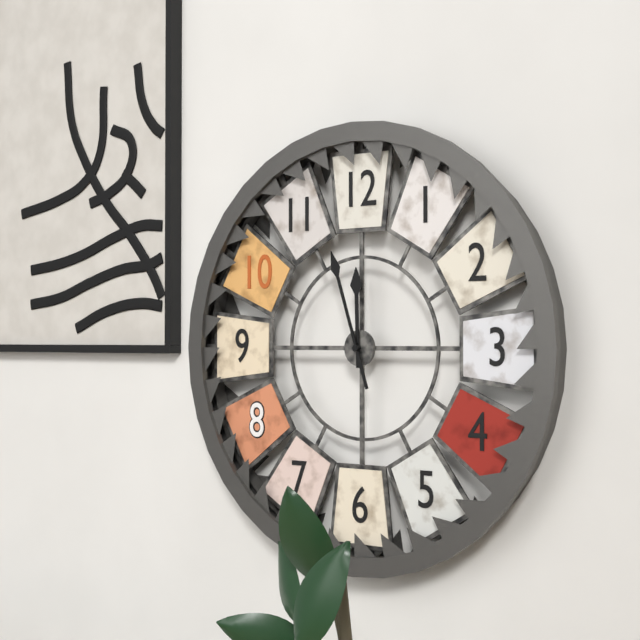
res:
11.57
